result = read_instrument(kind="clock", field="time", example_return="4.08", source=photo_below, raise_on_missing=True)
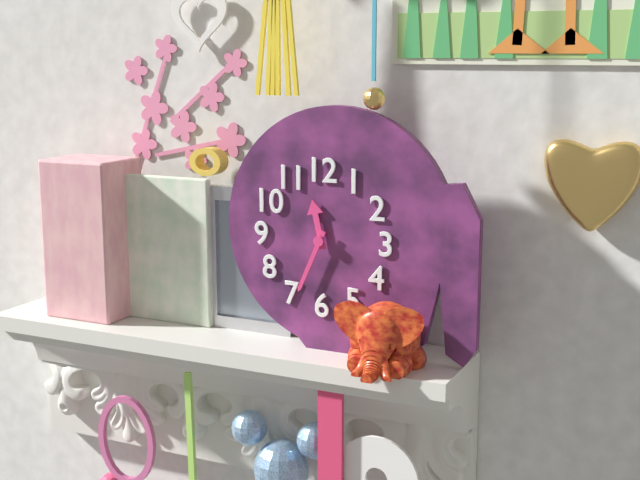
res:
11.34
